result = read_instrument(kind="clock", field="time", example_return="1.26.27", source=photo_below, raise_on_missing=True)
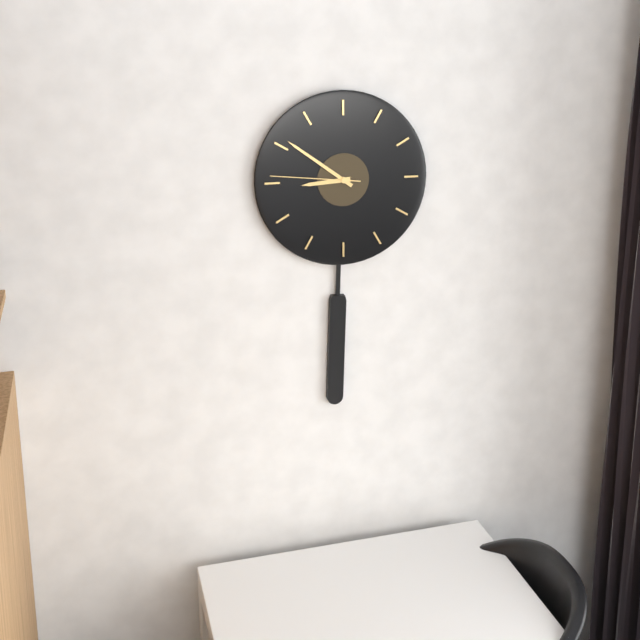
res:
8.51.46
